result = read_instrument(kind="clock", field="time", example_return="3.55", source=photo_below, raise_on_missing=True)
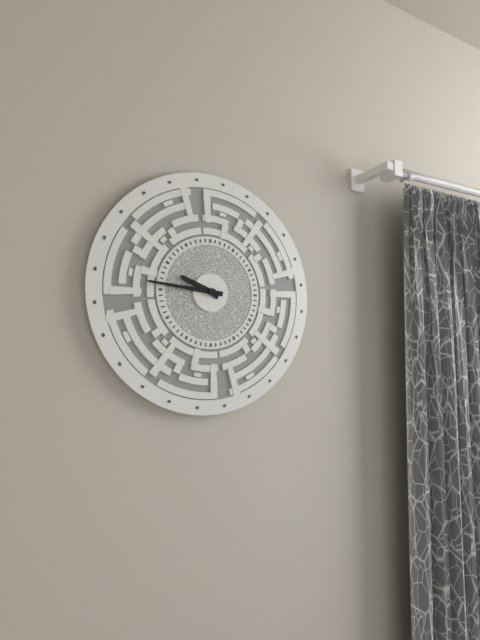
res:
9.46
